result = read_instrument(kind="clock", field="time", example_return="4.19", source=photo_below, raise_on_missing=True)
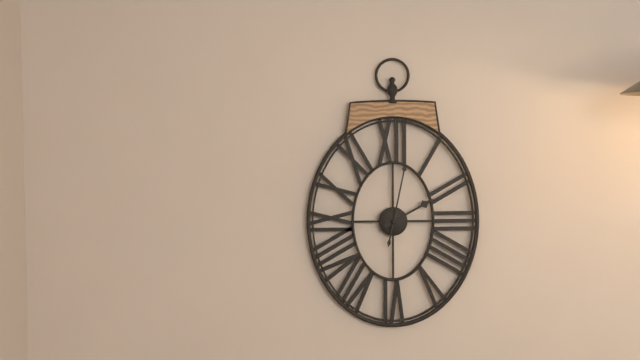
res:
2.02
